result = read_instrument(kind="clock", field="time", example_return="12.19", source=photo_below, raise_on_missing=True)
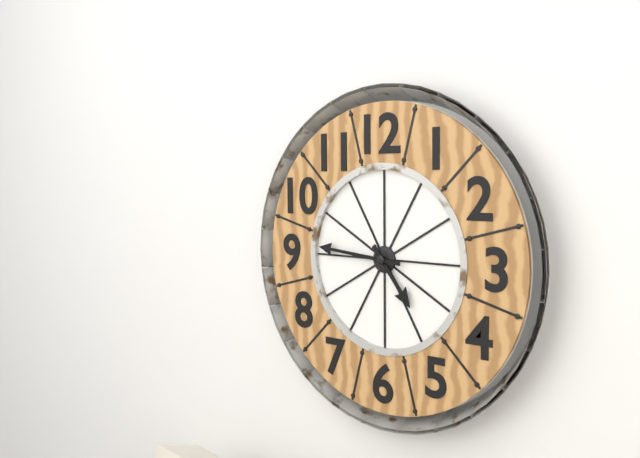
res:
4.46
